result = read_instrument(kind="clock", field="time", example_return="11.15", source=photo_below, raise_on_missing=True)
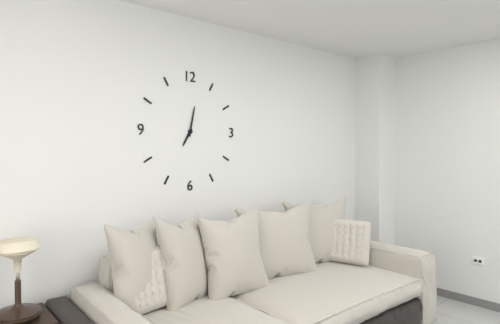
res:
7.02
